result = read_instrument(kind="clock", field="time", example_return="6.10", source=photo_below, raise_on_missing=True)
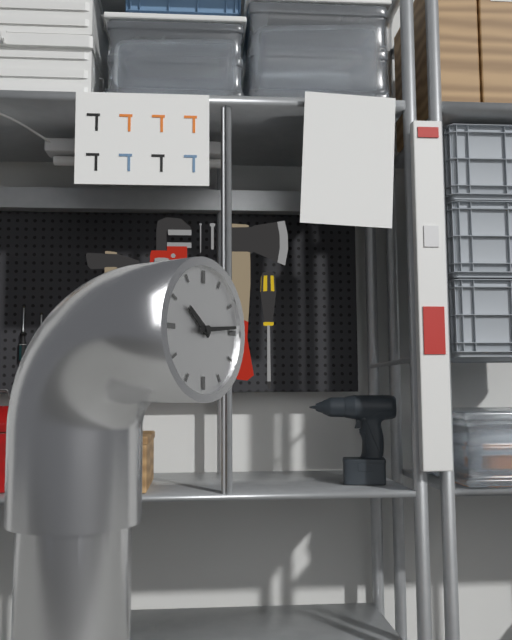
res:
10.14
